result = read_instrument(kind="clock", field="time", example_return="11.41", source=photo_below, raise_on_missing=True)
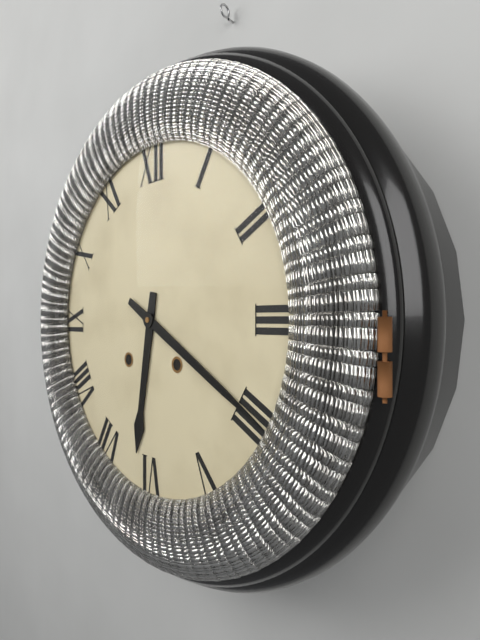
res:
6.20
